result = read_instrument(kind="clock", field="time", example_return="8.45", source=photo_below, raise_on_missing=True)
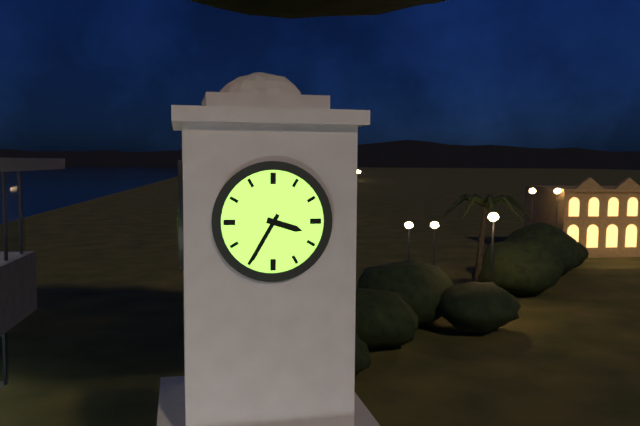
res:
3.35
